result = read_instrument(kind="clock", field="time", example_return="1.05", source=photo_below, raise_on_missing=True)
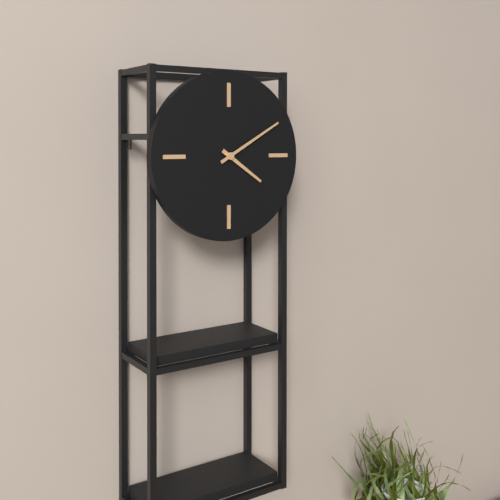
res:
4.10
